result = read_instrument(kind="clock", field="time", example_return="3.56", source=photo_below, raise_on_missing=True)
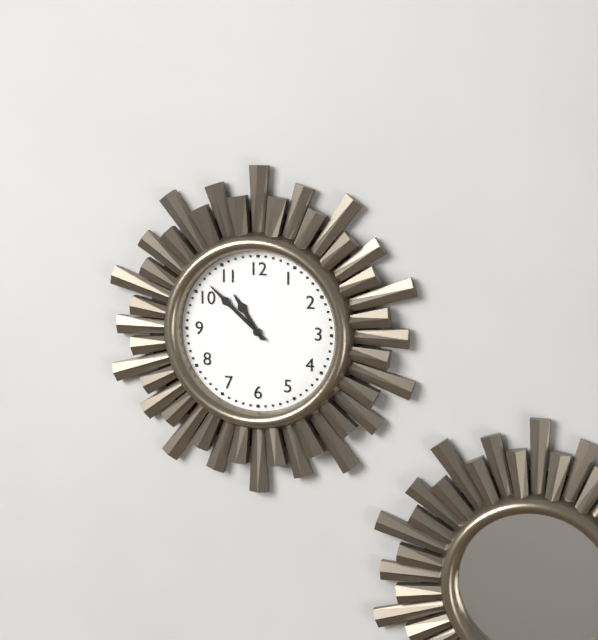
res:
10.52
